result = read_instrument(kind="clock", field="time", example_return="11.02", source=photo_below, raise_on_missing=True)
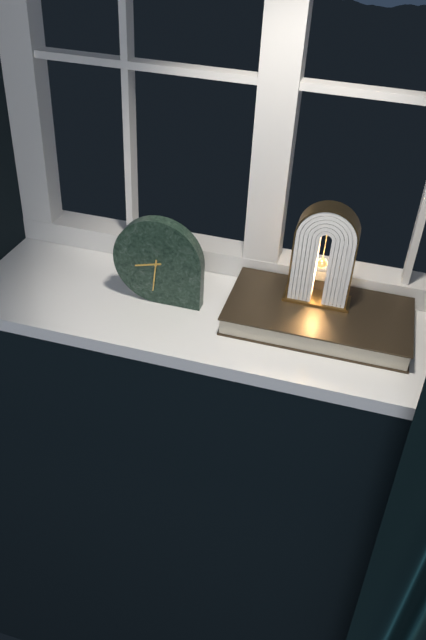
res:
8.31
